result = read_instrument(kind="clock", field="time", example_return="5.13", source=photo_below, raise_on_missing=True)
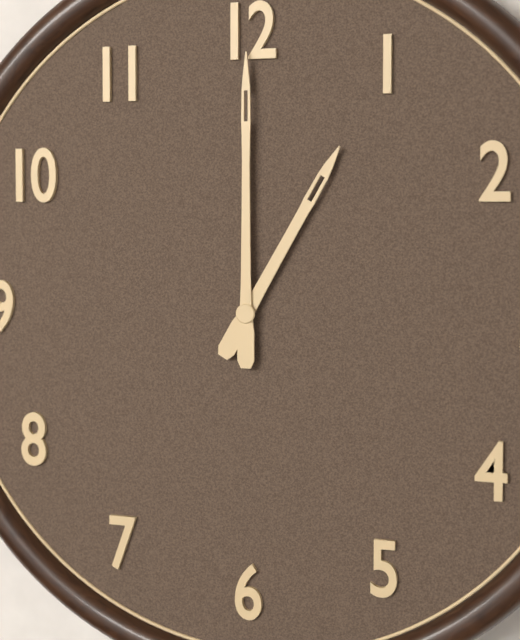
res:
1.00
